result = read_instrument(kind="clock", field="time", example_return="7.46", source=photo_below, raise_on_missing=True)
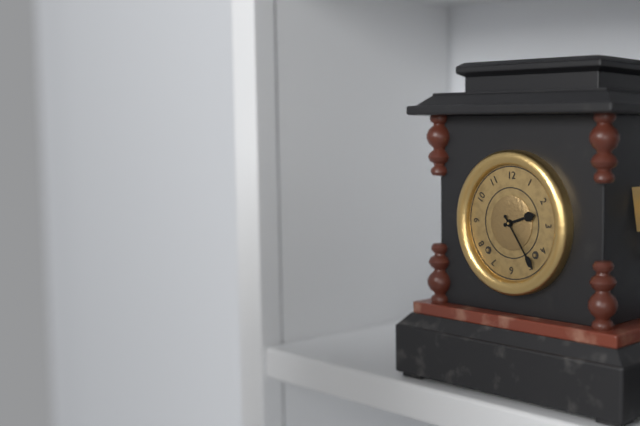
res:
2.24
